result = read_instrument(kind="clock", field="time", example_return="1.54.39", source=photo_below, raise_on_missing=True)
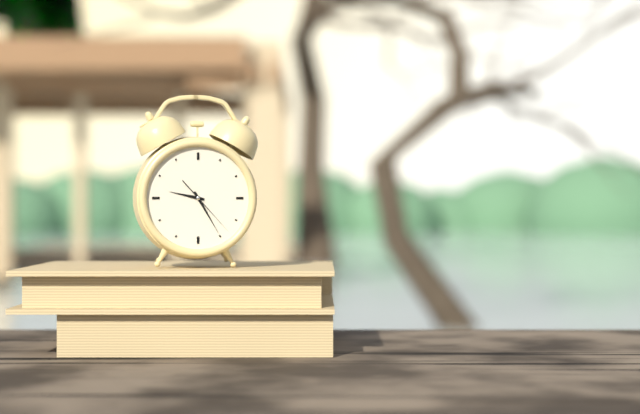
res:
9.25.23
